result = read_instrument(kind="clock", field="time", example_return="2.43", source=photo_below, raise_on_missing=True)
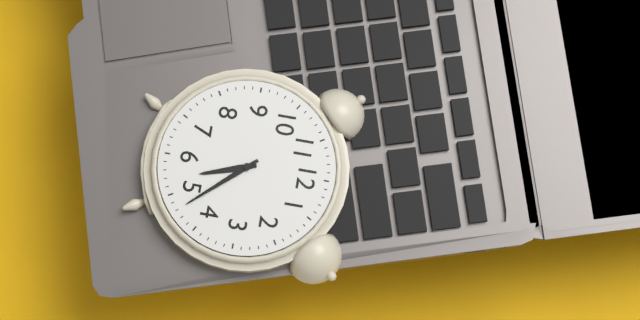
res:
5.23
